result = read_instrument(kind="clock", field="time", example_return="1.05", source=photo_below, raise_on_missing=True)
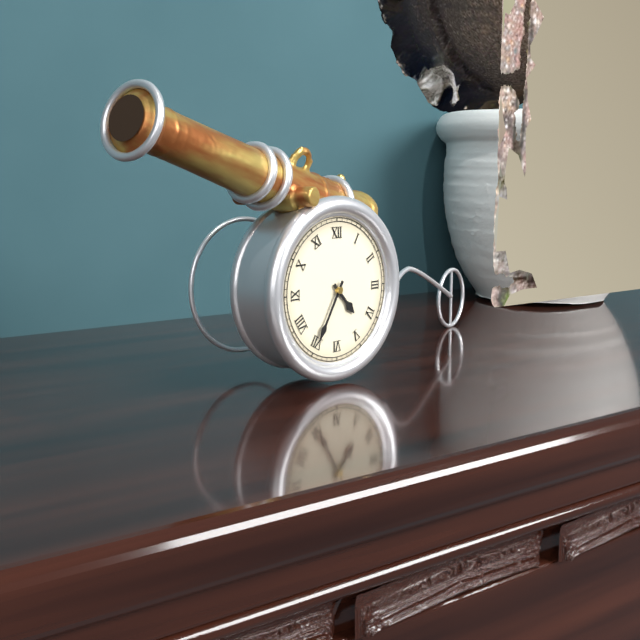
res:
4.35
